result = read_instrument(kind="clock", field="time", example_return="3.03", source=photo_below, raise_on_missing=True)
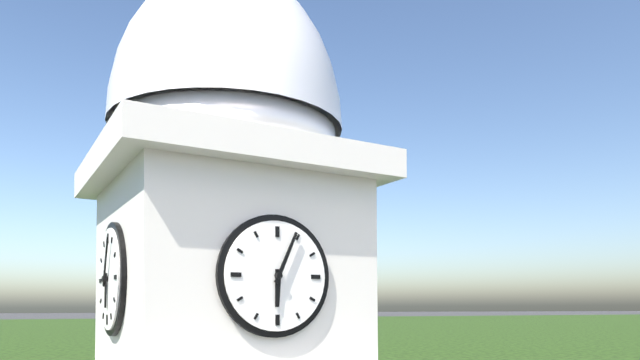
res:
6.04
